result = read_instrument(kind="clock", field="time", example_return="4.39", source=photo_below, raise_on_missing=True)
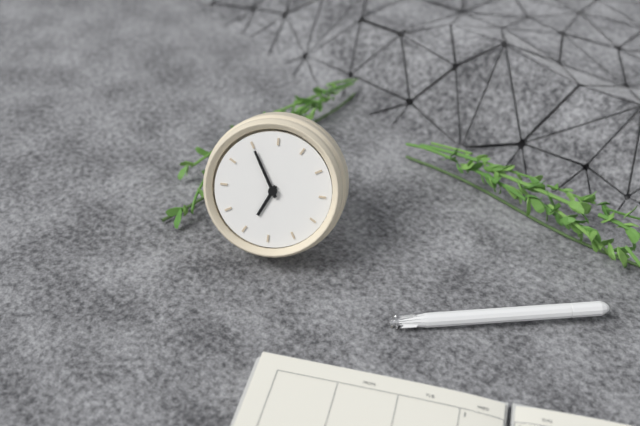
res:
5.50
